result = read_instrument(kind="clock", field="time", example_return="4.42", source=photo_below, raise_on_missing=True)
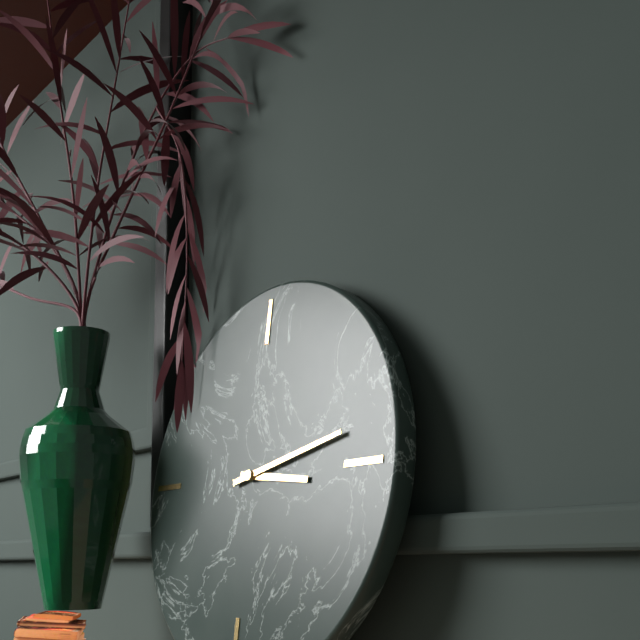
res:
3.13
